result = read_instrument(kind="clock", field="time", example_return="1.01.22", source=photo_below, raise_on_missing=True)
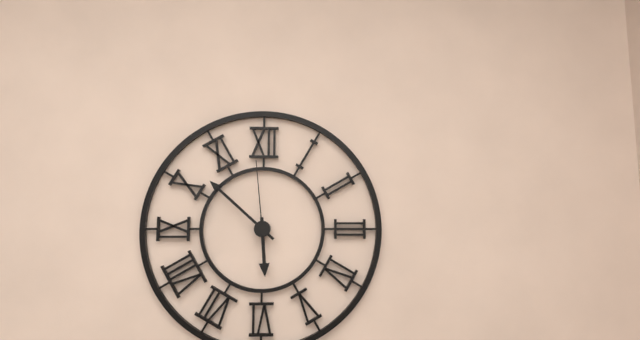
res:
5.52.59
